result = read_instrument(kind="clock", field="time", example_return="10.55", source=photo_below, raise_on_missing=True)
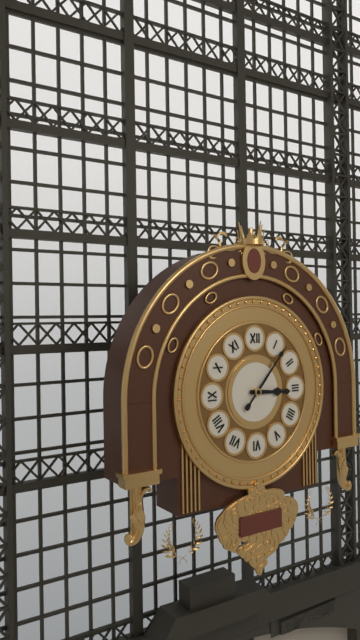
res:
3.07
